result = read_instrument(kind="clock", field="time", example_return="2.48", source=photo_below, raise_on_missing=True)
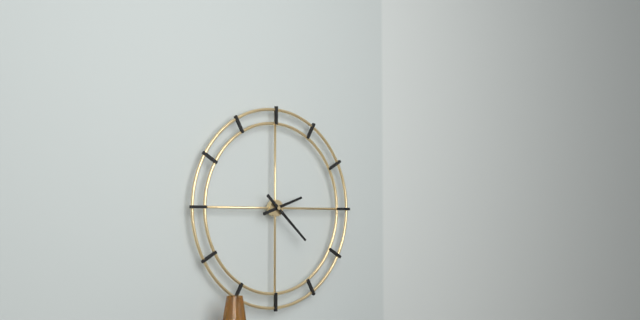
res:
2.22
